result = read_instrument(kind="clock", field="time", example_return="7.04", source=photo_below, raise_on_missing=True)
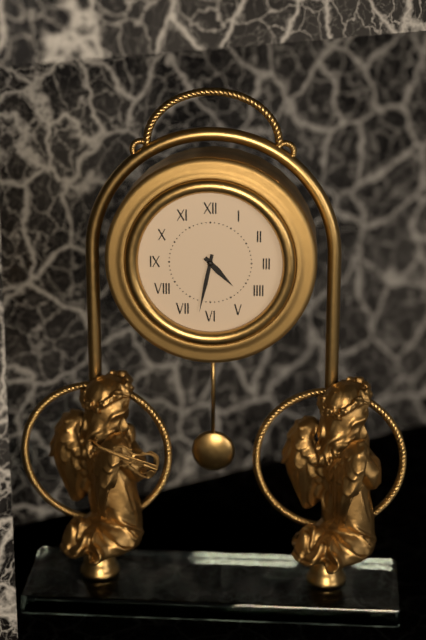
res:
4.32
